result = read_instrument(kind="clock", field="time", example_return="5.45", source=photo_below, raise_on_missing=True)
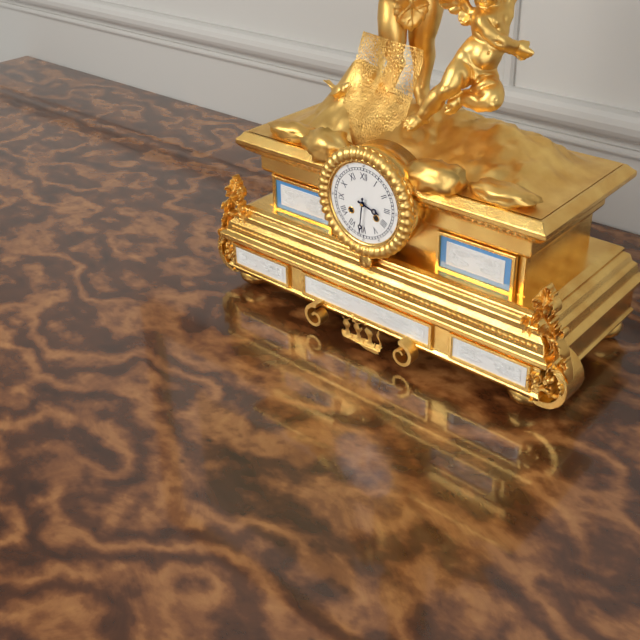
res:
3.31
